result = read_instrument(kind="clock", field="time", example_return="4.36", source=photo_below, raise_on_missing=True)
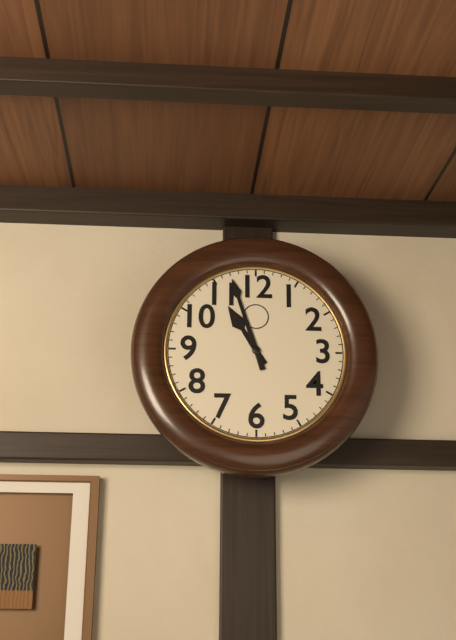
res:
10.57
